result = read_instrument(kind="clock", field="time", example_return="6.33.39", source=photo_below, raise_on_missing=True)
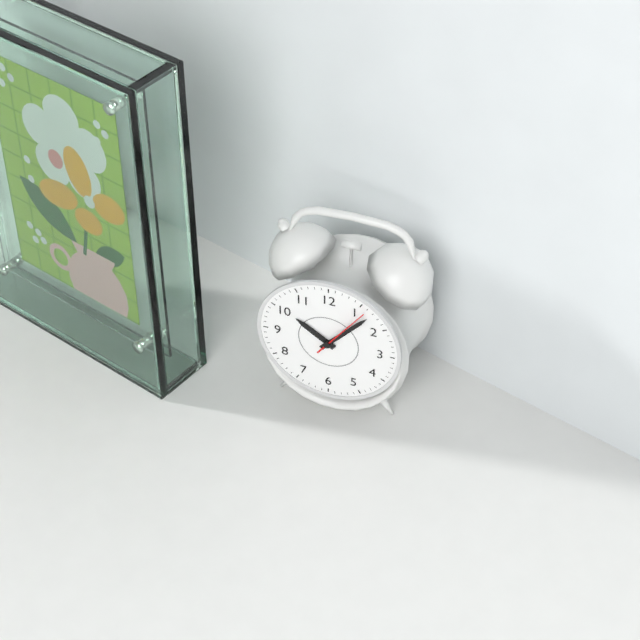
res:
10.07.06
